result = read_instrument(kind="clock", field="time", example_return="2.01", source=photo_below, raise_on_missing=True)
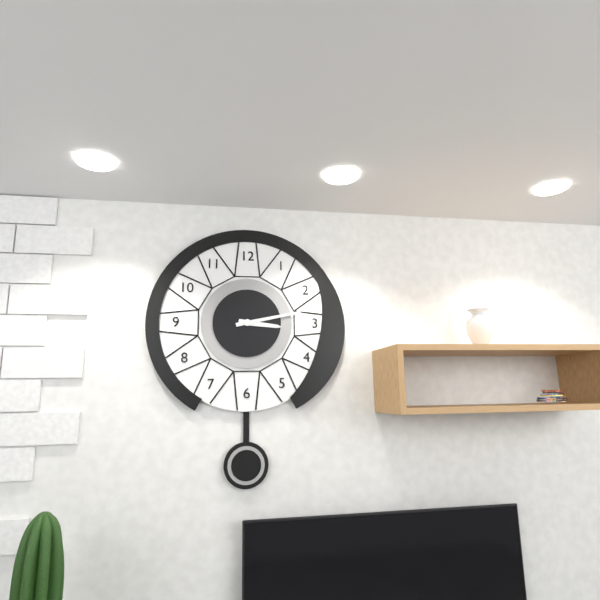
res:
3.13
